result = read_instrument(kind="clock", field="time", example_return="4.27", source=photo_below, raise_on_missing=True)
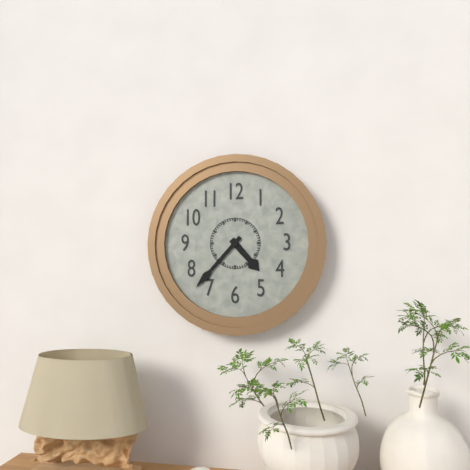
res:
4.37
